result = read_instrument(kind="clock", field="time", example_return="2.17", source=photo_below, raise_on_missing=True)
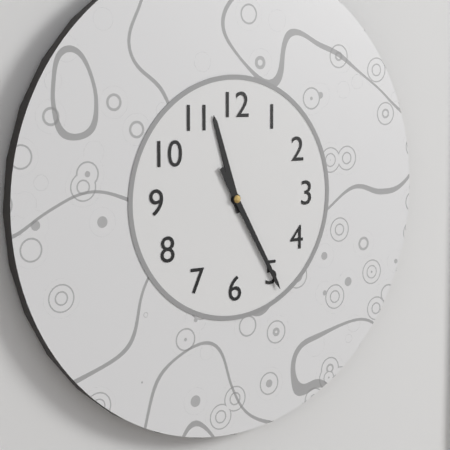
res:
11.25
